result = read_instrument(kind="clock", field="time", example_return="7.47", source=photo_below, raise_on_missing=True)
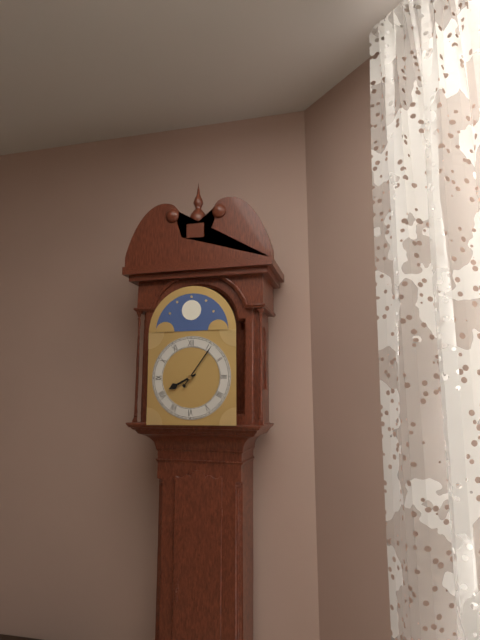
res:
8.06
